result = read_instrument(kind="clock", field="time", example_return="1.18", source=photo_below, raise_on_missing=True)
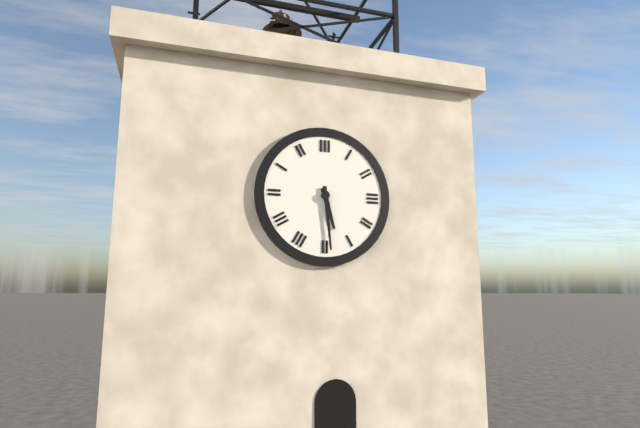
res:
5.29
